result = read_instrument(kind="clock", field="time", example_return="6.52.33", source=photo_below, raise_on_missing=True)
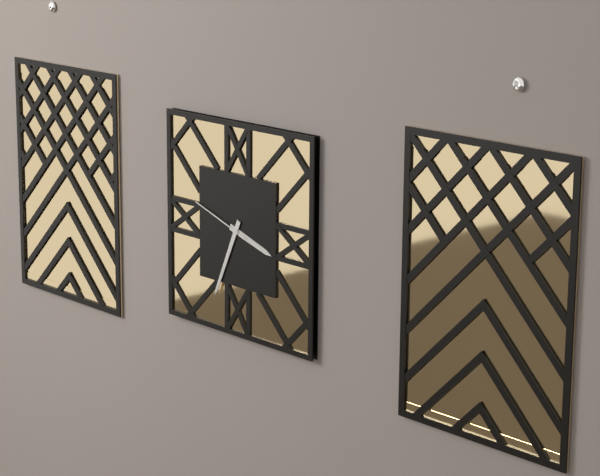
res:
3.34.48
